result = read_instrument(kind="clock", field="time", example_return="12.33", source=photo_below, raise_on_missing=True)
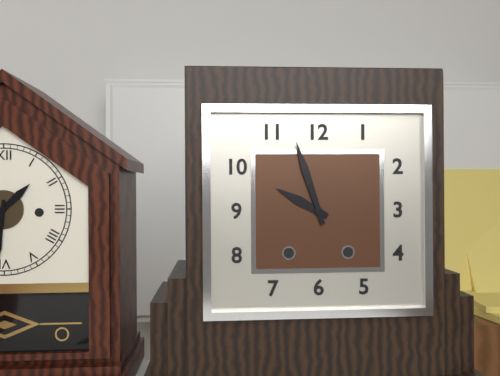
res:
9.57
